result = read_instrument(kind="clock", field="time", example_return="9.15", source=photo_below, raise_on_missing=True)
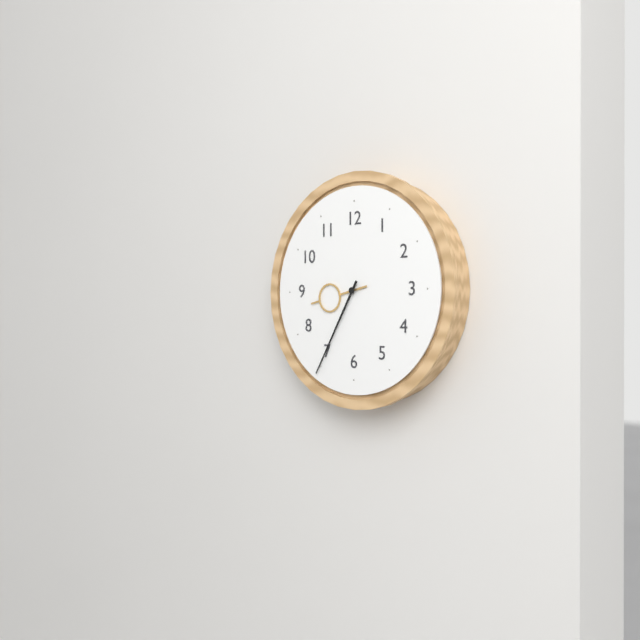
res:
8.35
